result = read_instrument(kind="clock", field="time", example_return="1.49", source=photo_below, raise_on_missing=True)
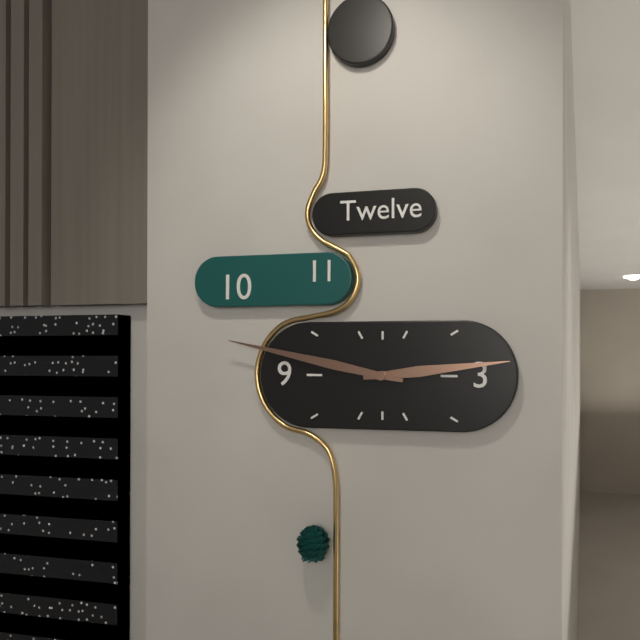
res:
2.47
